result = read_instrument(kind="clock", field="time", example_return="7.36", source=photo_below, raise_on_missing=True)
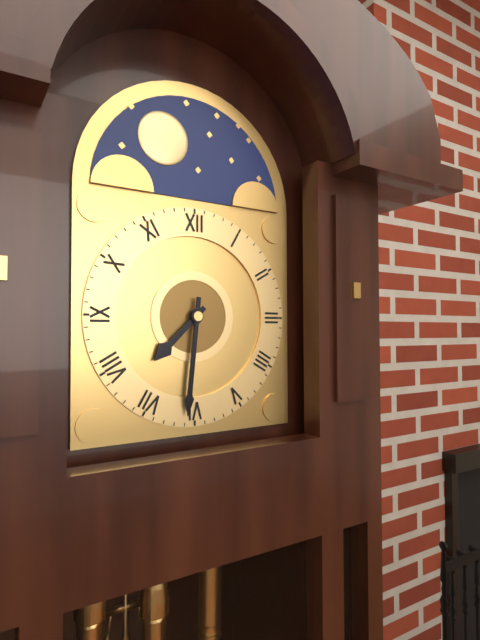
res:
7.31
